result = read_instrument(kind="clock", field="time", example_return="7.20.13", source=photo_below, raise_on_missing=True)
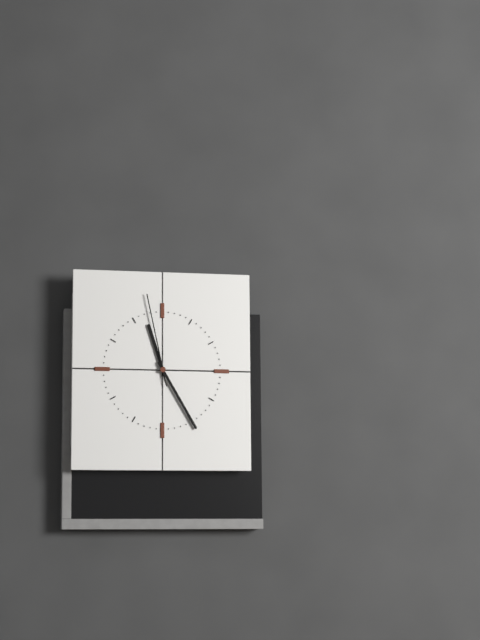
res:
11.25.58
